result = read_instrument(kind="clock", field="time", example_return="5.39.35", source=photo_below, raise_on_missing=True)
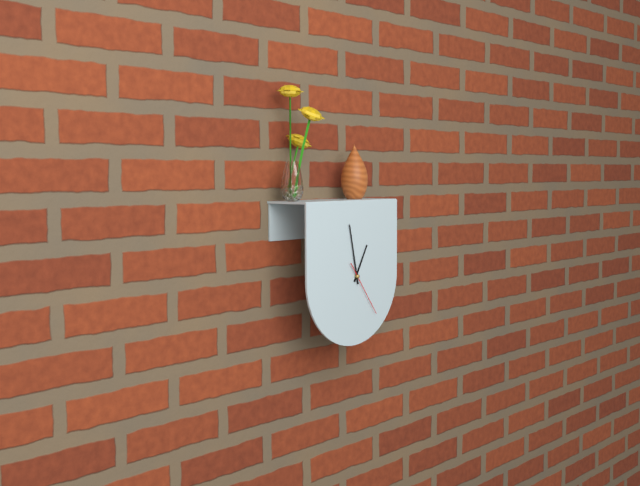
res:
12.58.24
